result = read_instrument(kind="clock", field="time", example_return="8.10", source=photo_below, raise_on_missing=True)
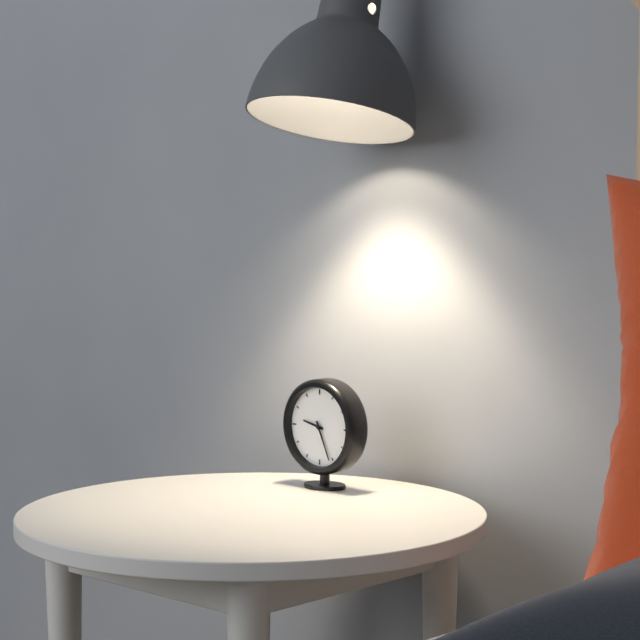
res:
9.26
